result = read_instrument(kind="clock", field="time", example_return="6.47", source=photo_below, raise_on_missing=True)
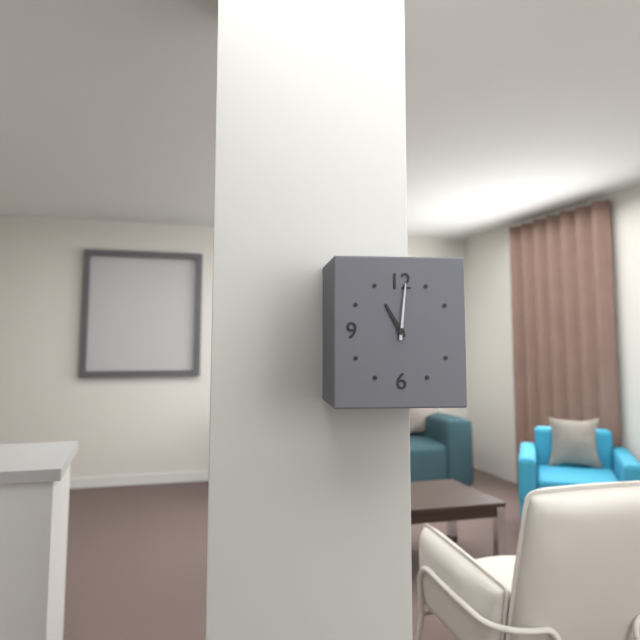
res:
11.01
